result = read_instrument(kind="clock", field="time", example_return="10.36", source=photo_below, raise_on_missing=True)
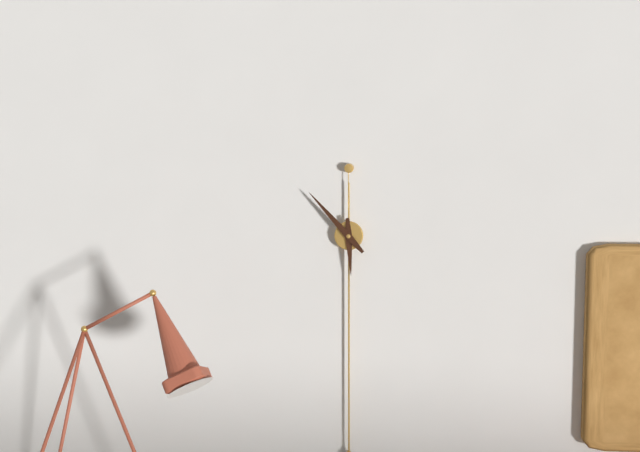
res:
5.53
